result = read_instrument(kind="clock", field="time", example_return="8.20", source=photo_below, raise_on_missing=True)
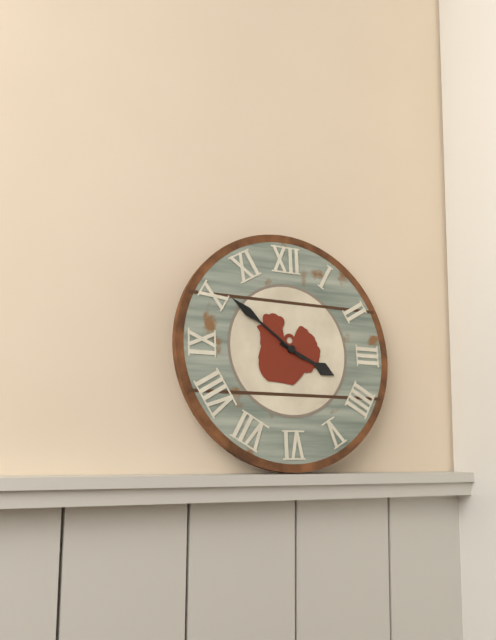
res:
3.51
